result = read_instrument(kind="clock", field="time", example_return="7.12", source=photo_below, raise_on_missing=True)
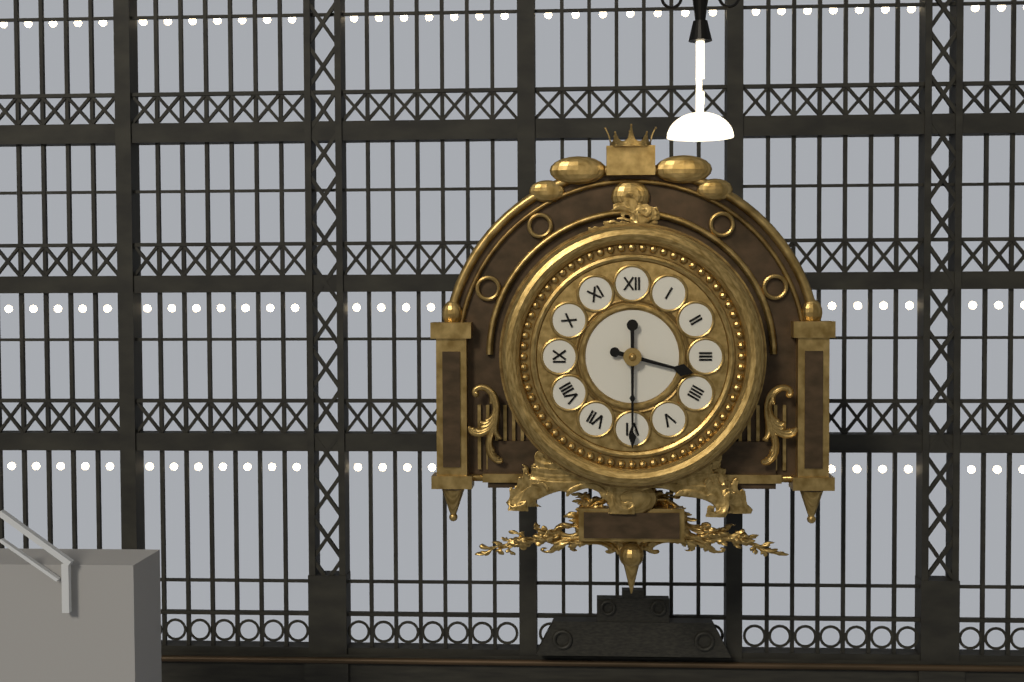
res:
3.30
